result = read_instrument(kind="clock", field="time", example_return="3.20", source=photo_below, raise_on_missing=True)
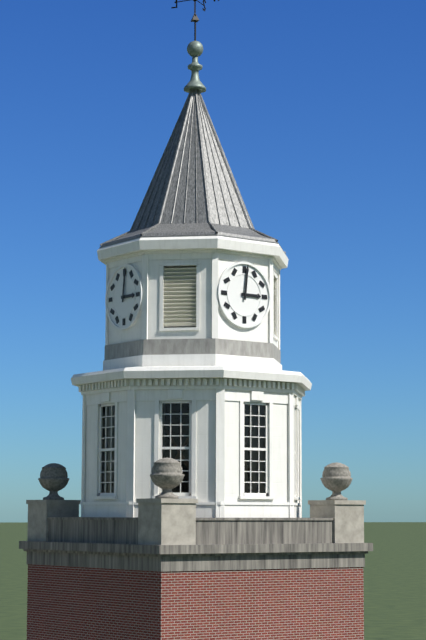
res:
3.01
